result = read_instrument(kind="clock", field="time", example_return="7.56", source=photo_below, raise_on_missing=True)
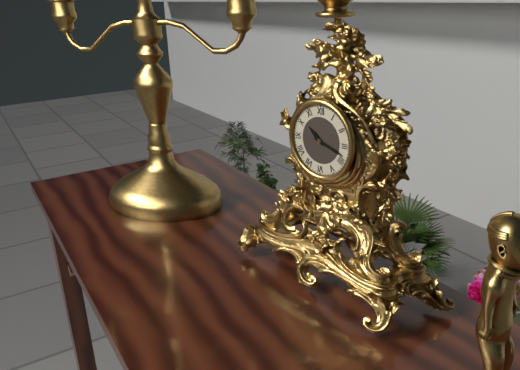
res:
10.18
